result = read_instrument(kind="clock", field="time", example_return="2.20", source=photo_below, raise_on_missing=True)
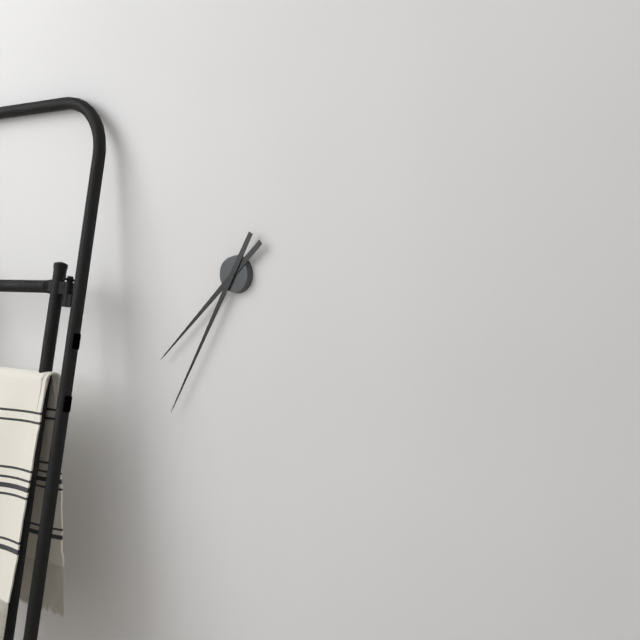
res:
7.35
